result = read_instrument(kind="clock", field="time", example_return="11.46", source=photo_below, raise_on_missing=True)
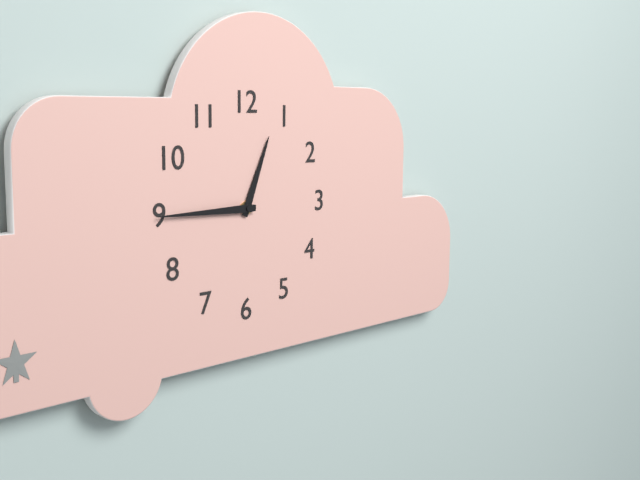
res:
12.45
